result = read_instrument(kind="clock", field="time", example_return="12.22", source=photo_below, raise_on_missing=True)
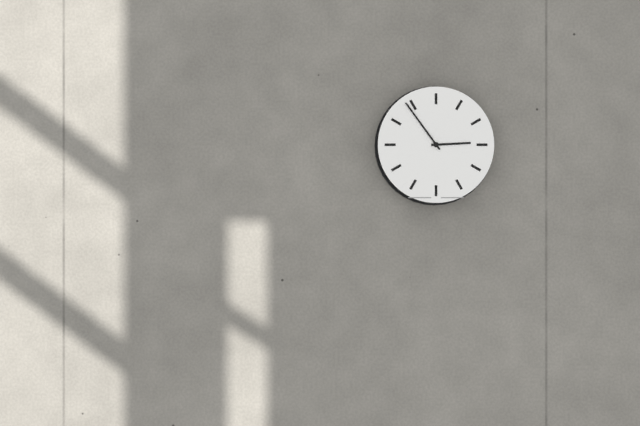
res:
2.54
